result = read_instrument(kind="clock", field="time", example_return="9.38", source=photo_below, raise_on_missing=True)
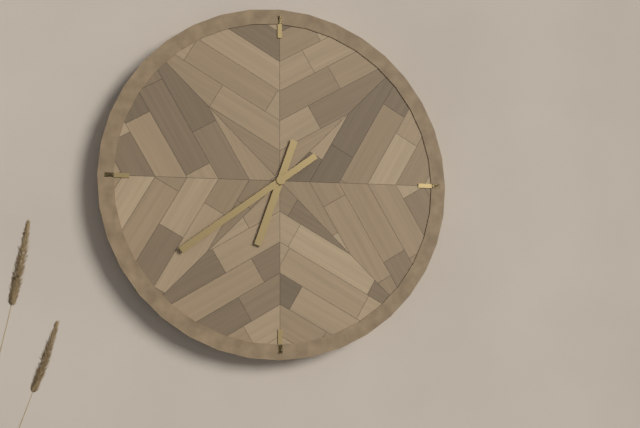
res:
6.39
